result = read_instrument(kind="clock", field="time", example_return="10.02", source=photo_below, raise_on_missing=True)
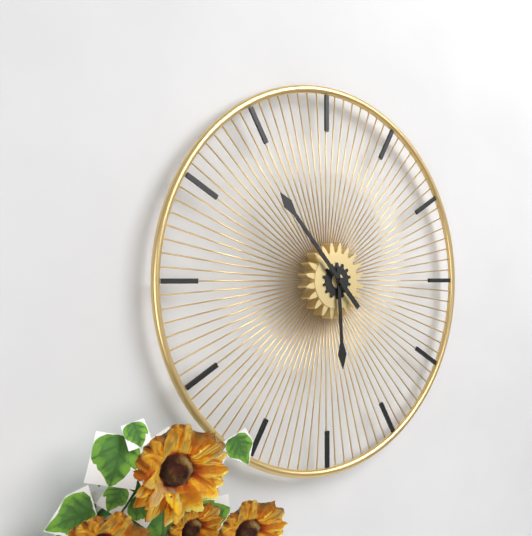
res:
5.53
